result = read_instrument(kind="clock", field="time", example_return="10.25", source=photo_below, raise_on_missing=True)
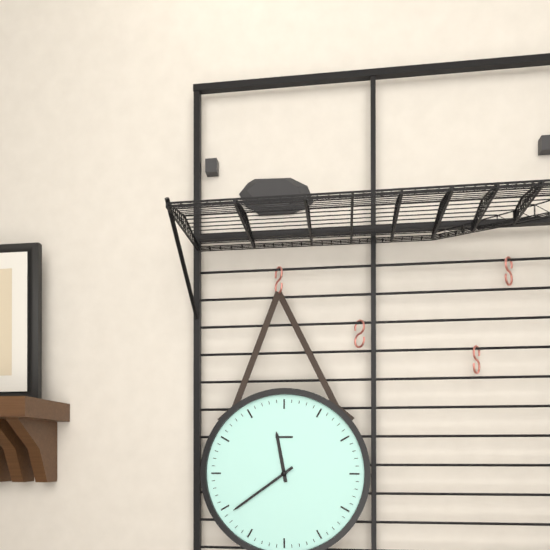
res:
11.39
